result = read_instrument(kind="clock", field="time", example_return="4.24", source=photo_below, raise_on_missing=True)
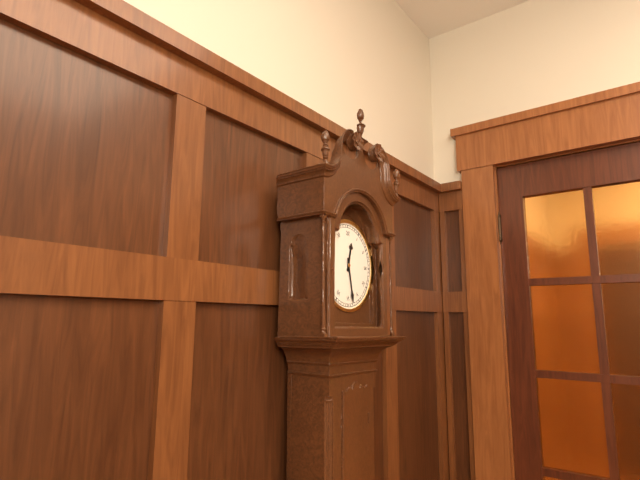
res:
12.28
